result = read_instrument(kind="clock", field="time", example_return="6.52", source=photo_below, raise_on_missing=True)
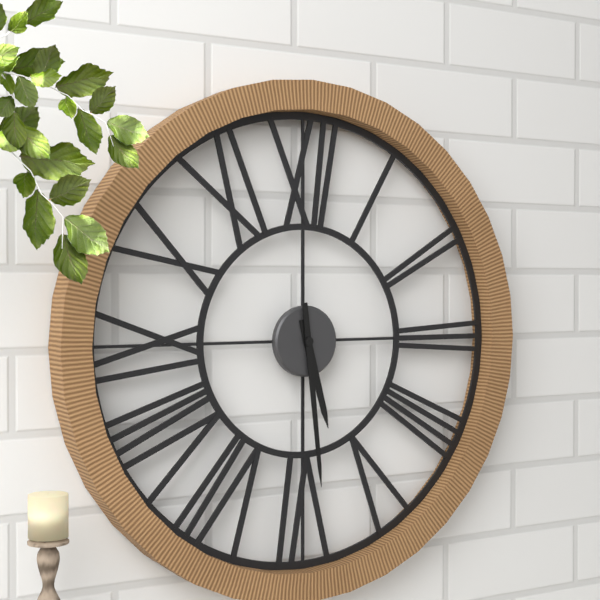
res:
5.29
